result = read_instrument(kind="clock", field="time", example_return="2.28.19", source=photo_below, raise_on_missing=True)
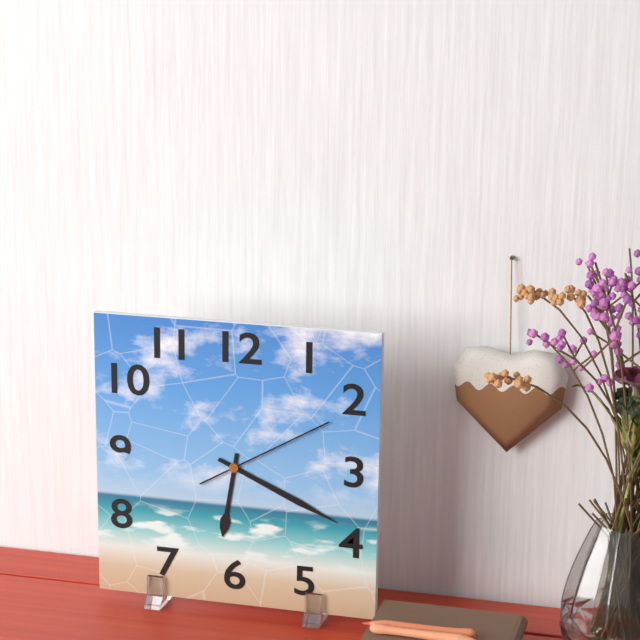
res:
6.19.10
